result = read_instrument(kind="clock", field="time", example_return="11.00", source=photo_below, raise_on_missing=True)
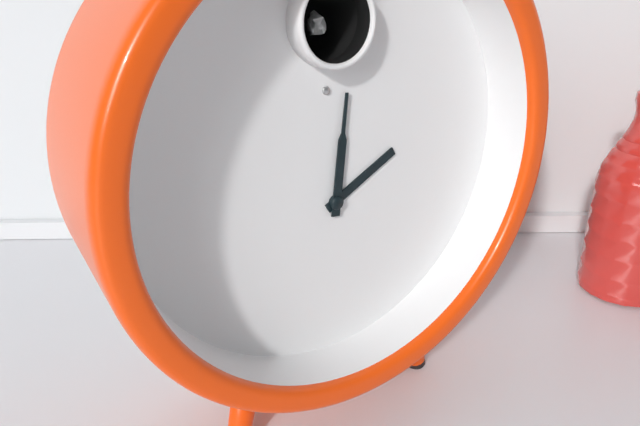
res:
2.01
